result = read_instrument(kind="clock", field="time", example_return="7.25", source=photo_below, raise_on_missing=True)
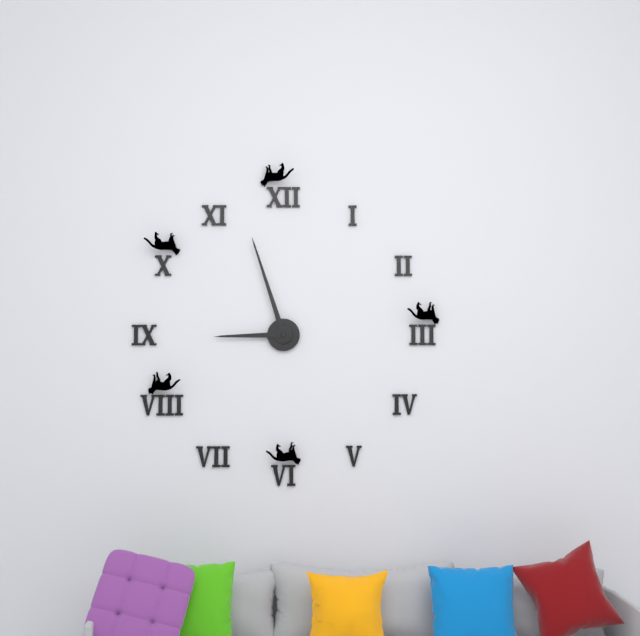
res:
8.57
